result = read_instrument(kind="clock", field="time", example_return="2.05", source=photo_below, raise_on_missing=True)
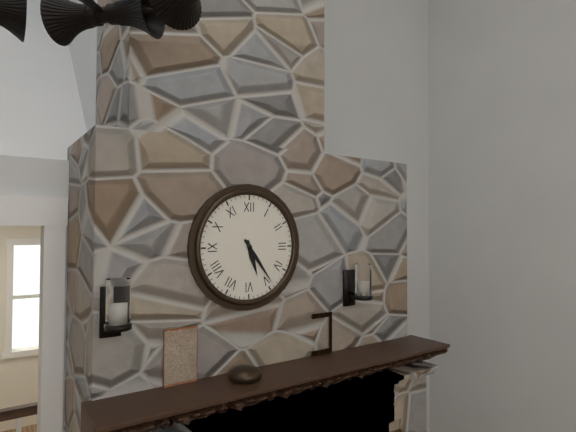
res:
5.24
